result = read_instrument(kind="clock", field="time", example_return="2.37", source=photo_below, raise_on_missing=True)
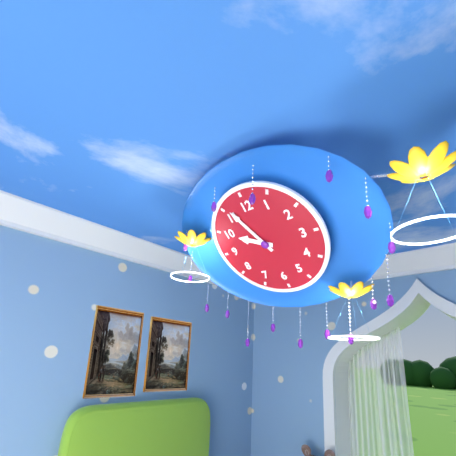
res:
9.56
